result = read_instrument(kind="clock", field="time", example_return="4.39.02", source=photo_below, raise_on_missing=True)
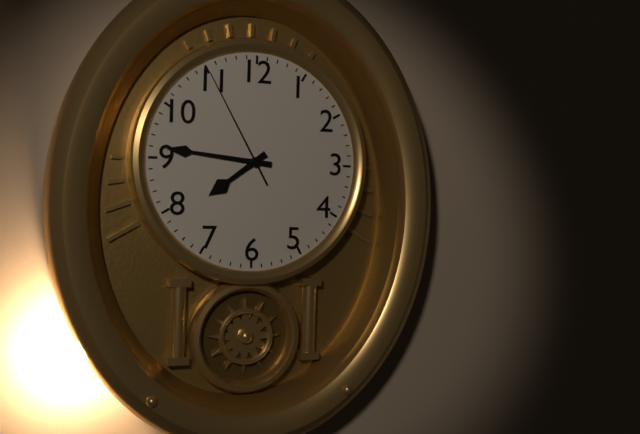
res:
7.46.55
